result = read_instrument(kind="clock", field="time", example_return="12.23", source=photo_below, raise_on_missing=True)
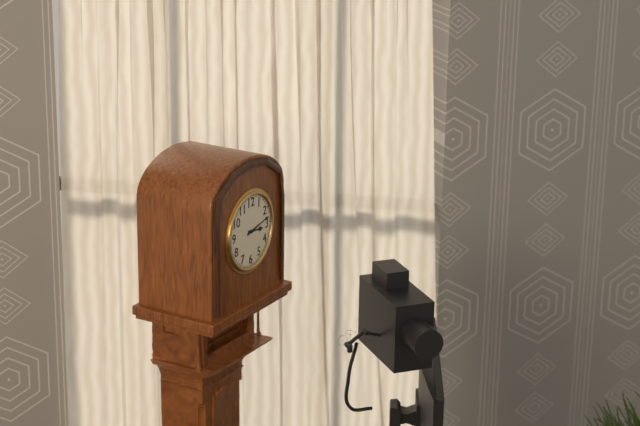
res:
3.13
